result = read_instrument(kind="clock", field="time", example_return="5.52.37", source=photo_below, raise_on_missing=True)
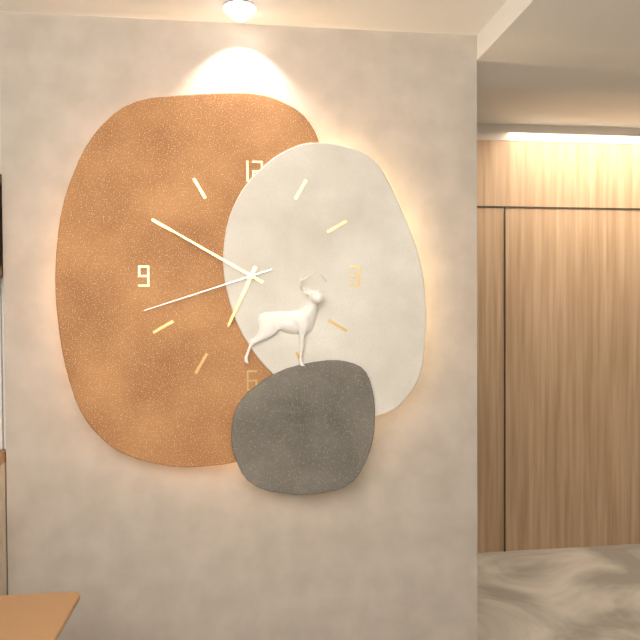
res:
6.50.42
